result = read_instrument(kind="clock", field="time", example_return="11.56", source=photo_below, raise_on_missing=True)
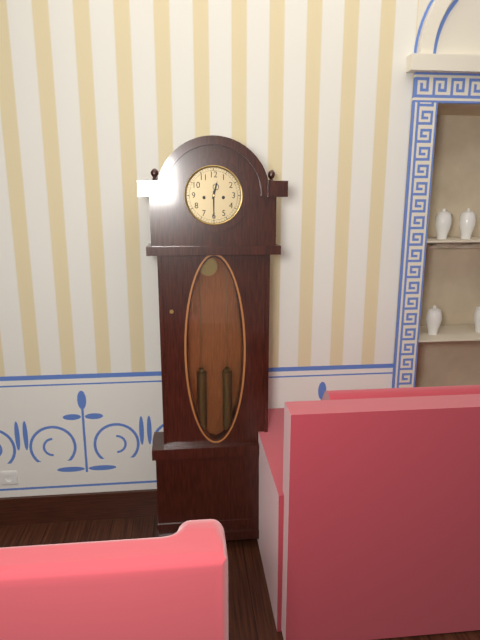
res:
12.30
